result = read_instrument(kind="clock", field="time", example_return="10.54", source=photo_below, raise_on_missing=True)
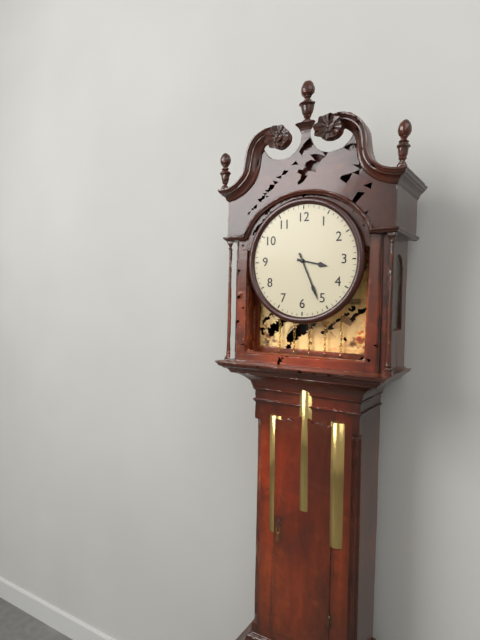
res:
3.26
